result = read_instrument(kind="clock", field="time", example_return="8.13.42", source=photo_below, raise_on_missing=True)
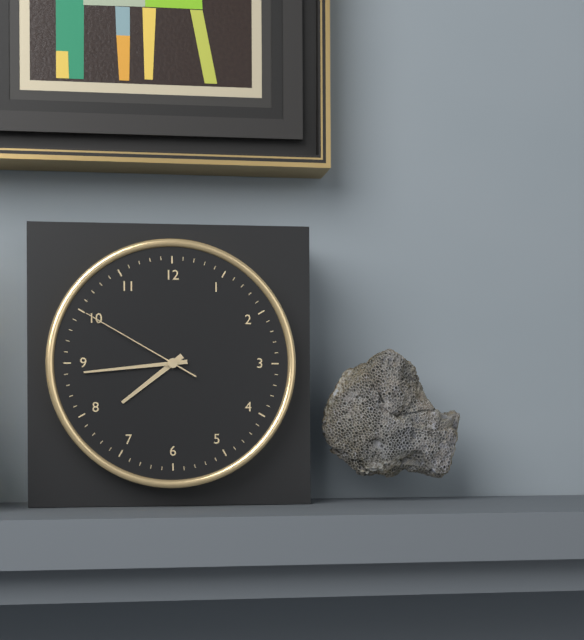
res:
7.44.50
